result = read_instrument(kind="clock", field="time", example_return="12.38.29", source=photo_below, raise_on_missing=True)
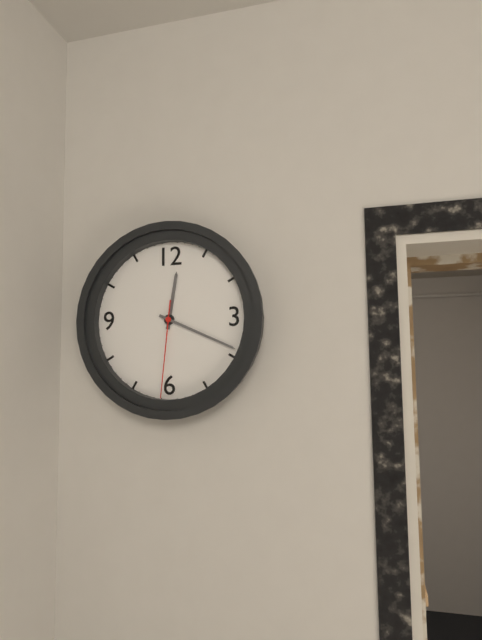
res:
12.19.31
